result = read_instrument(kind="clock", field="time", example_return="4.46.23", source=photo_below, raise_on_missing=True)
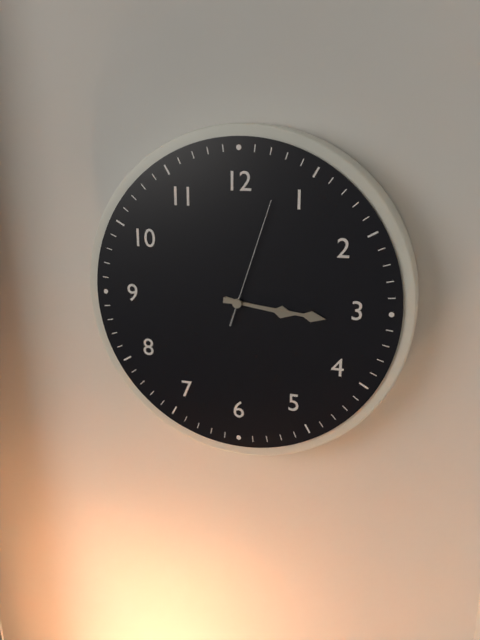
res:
3.16.03
